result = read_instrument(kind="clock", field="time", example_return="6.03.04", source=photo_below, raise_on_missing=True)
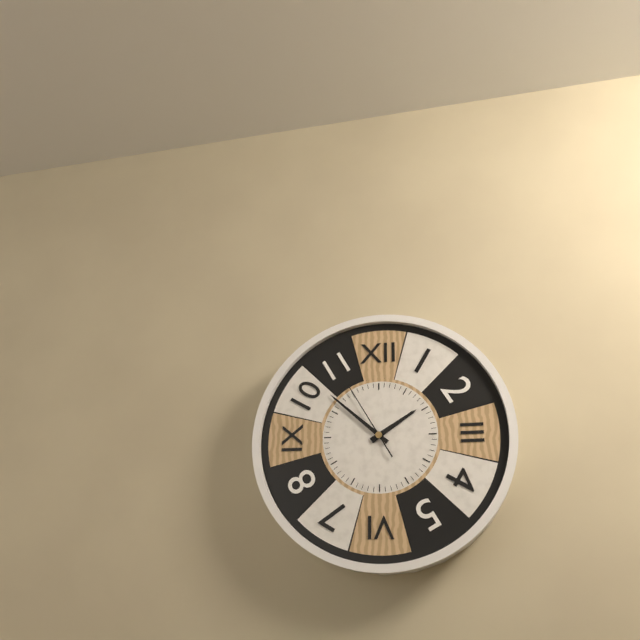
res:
1.52.55
